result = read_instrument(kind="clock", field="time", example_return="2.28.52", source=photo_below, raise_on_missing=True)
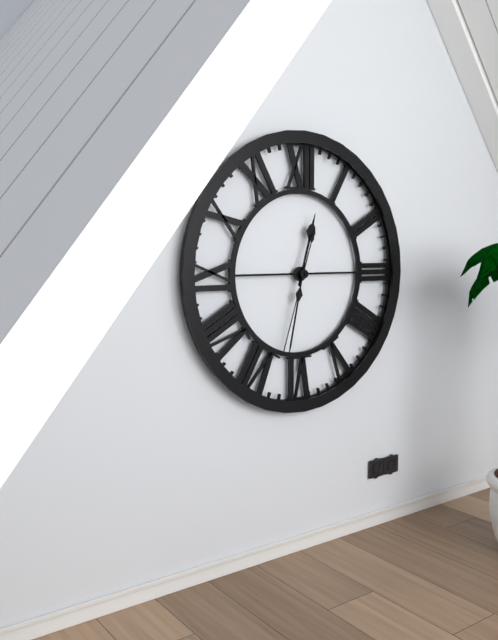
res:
12.32.33
